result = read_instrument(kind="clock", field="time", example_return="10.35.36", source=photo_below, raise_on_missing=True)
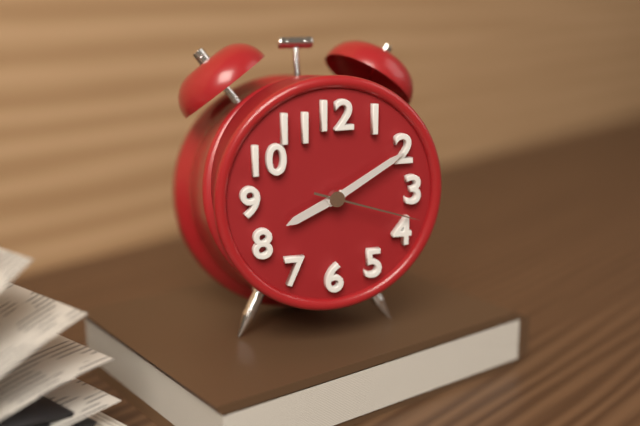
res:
8.10.18
